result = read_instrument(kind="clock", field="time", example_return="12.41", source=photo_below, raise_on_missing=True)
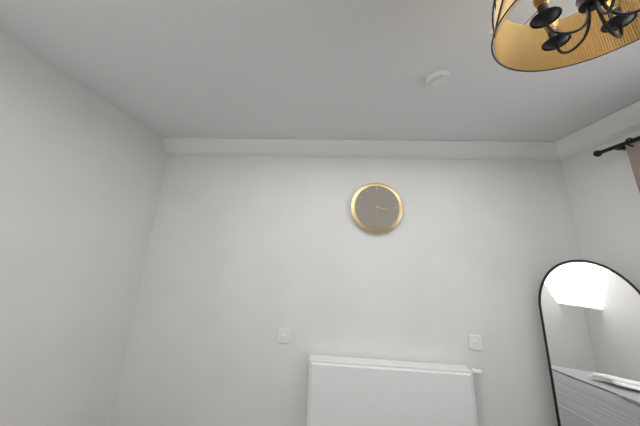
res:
3.31
